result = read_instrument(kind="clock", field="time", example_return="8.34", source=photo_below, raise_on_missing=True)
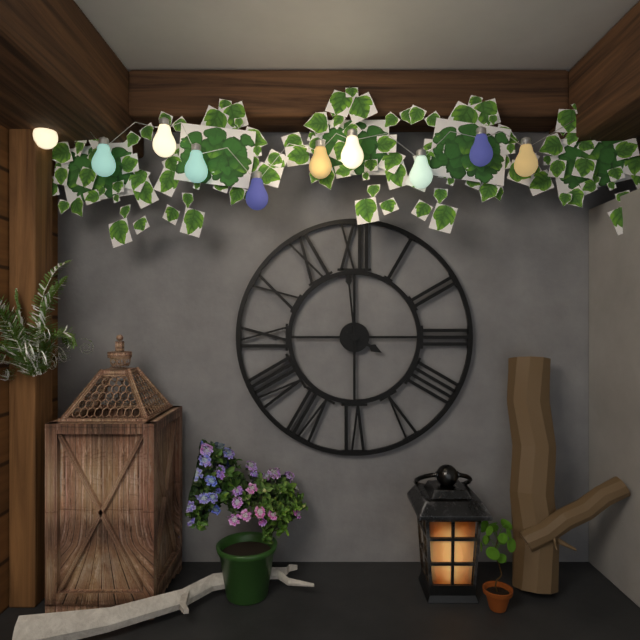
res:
3.59
